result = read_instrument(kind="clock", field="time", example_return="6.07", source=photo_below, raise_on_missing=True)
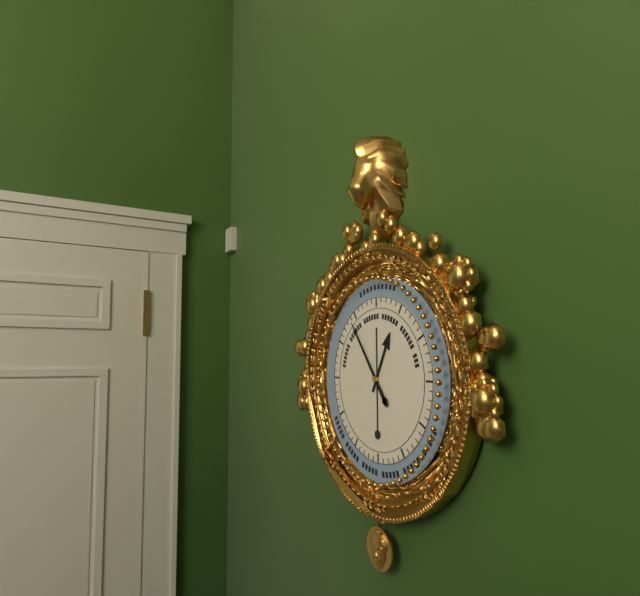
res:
12.54
